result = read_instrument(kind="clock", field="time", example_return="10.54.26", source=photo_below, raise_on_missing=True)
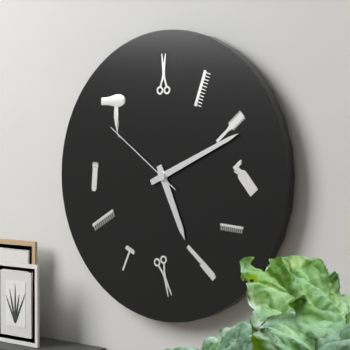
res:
5.11.51
